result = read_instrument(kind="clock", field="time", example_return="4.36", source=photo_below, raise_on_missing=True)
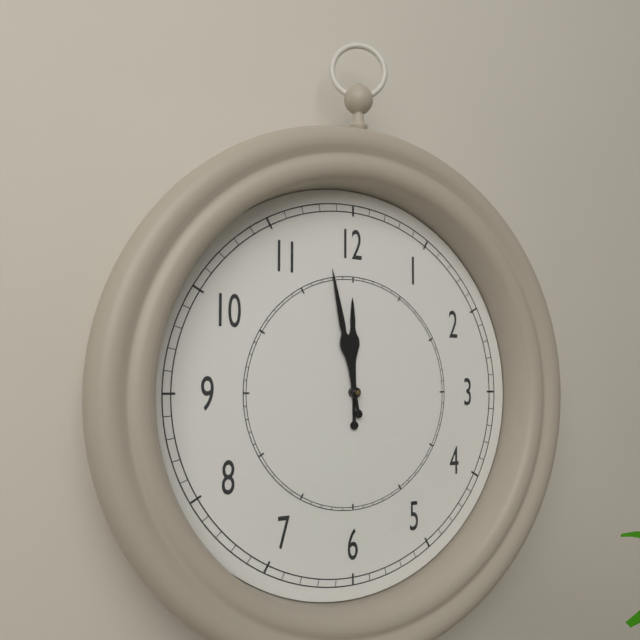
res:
11.58
